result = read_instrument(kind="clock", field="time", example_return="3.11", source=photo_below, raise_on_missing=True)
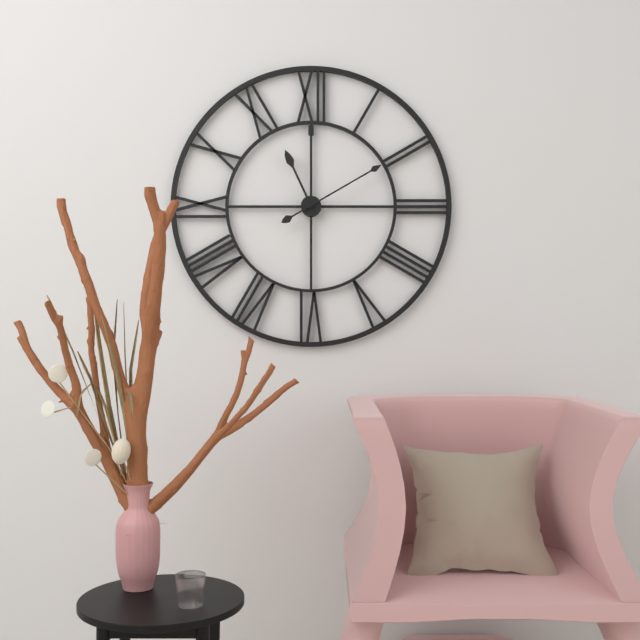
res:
11.10
